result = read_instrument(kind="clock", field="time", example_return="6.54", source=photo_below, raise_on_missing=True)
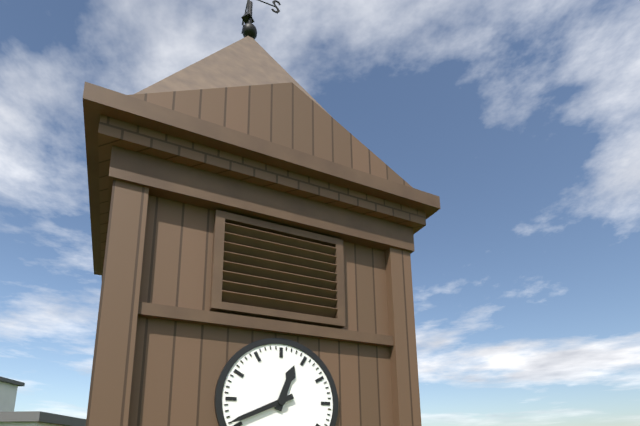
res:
12.41
